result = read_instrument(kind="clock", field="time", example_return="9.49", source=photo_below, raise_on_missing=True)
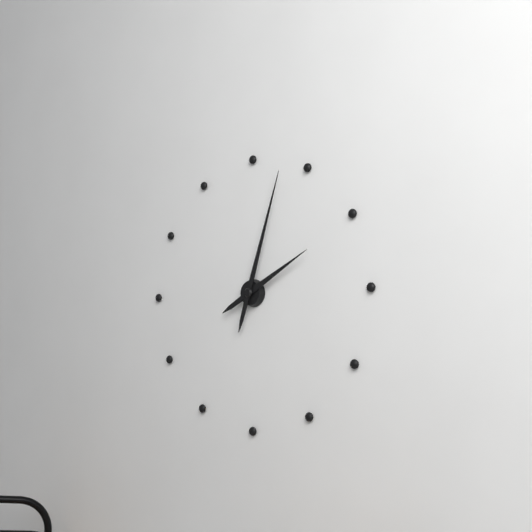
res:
2.03
